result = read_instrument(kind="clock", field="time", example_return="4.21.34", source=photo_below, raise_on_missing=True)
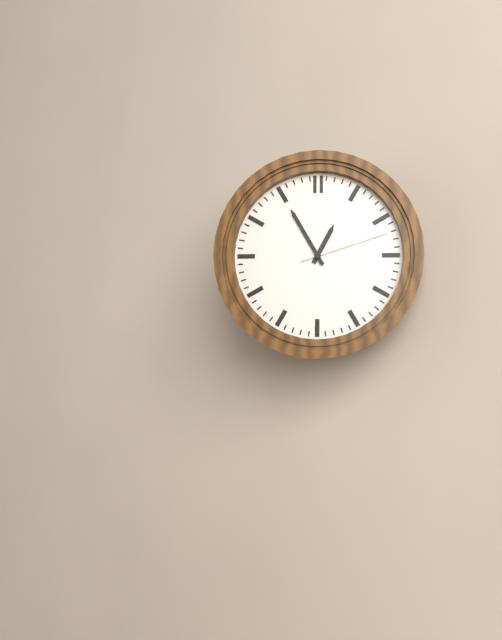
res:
12.55.12
